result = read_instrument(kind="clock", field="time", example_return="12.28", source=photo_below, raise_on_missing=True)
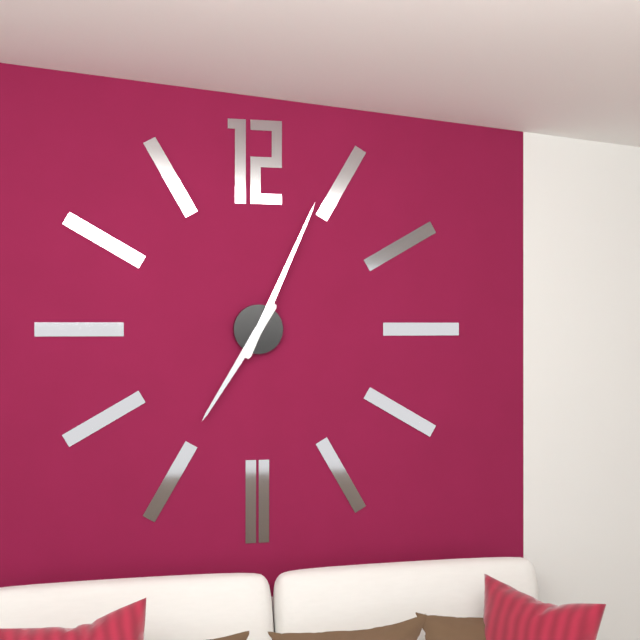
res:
7.04
